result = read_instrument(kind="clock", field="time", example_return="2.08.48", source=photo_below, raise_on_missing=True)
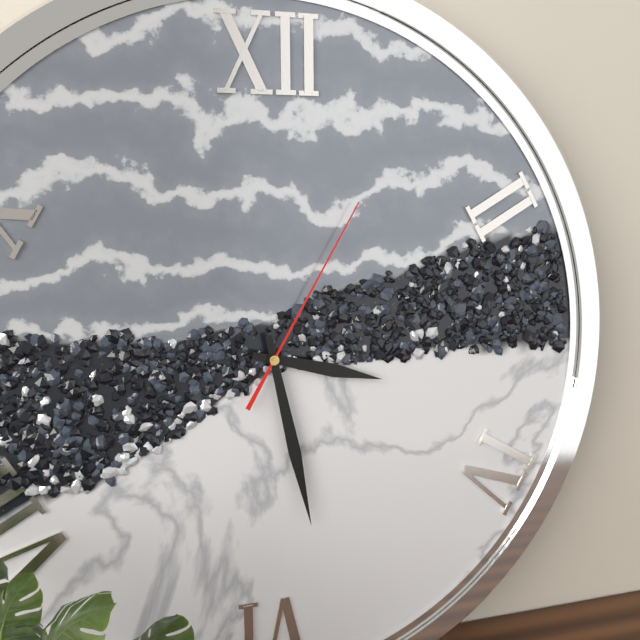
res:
3.28.05
